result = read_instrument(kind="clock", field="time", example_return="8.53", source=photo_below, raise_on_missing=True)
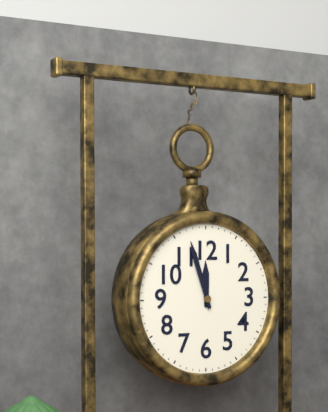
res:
11.57
